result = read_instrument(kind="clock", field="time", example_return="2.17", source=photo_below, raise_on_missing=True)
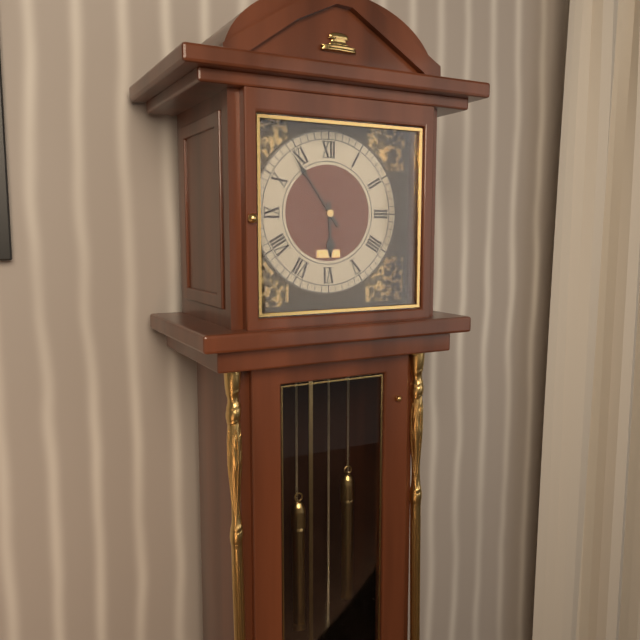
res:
5.54
